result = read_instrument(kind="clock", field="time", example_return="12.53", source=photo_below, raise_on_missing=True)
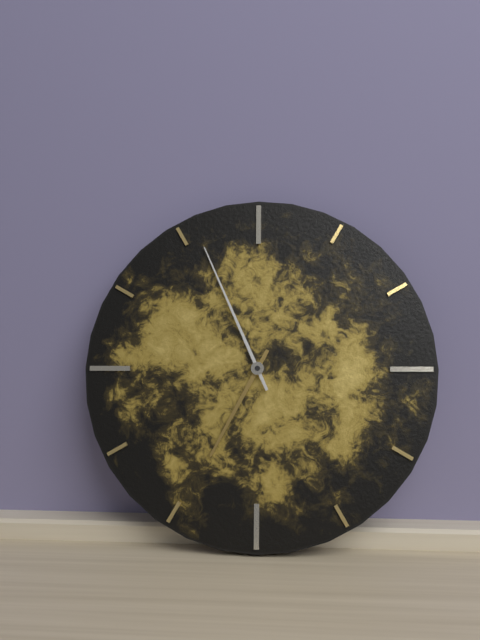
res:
6.56
